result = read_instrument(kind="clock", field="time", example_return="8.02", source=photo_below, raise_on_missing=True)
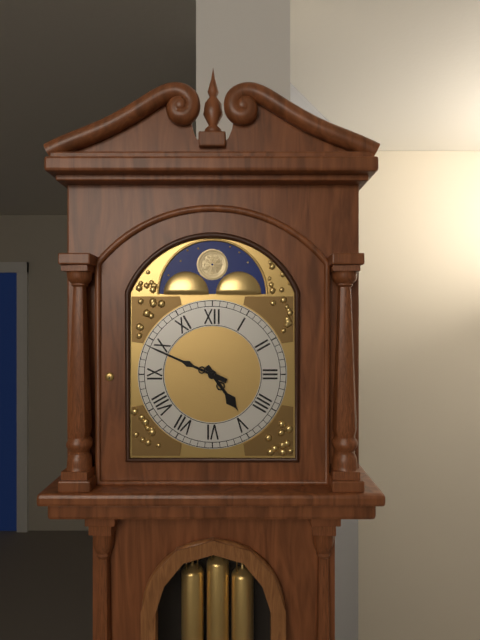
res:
4.49
